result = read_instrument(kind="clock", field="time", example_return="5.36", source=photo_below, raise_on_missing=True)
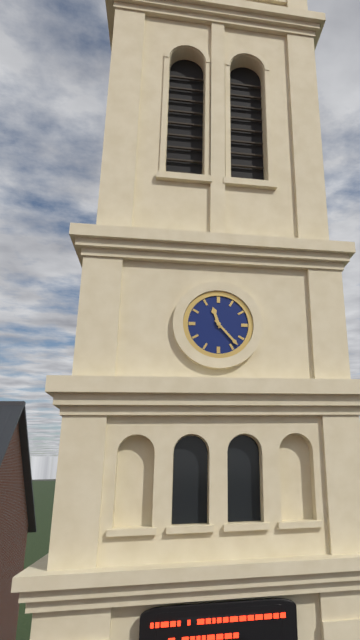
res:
11.23
